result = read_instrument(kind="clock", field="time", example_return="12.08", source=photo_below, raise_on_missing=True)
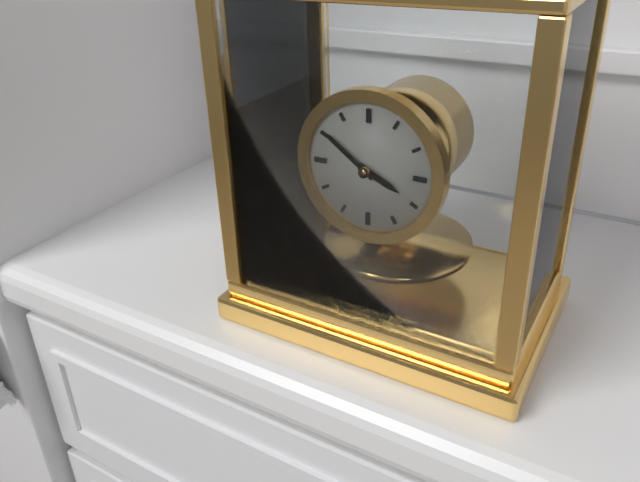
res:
3.51
